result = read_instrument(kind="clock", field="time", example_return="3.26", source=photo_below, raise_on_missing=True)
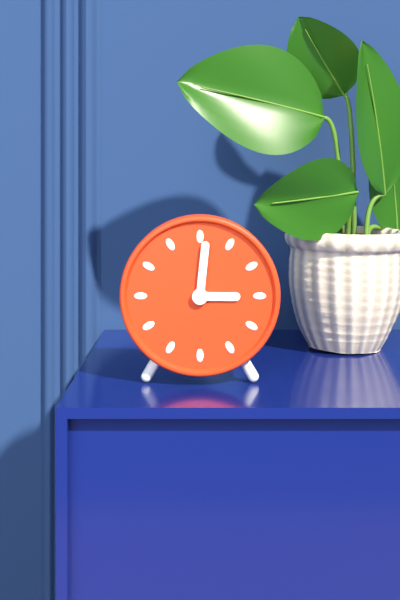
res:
3.01
